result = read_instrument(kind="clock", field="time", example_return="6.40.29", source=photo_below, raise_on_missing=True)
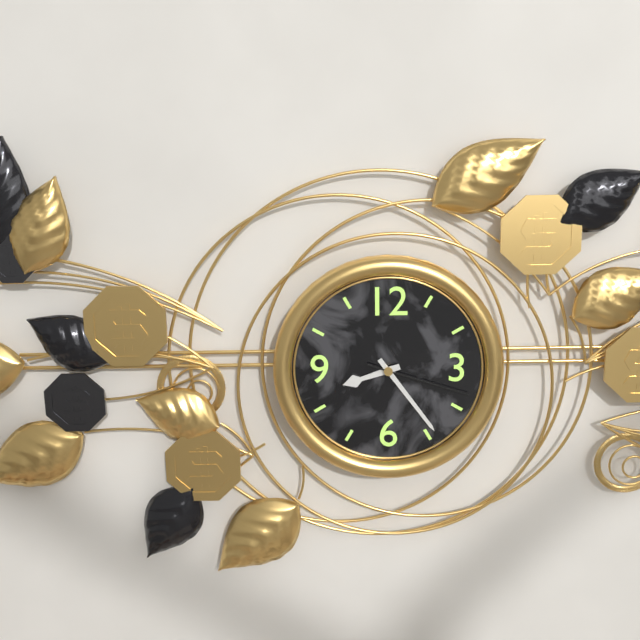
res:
8.24.18
